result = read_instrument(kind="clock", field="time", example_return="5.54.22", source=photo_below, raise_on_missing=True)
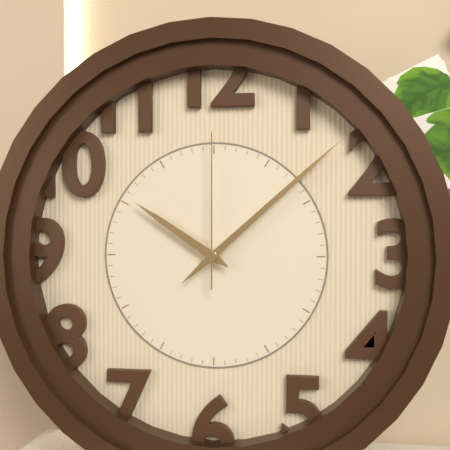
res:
10.08.00
